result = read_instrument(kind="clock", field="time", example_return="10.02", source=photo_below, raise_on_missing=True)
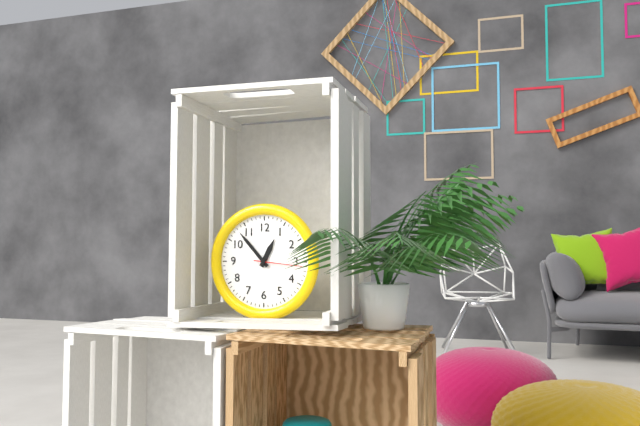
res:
12.53
